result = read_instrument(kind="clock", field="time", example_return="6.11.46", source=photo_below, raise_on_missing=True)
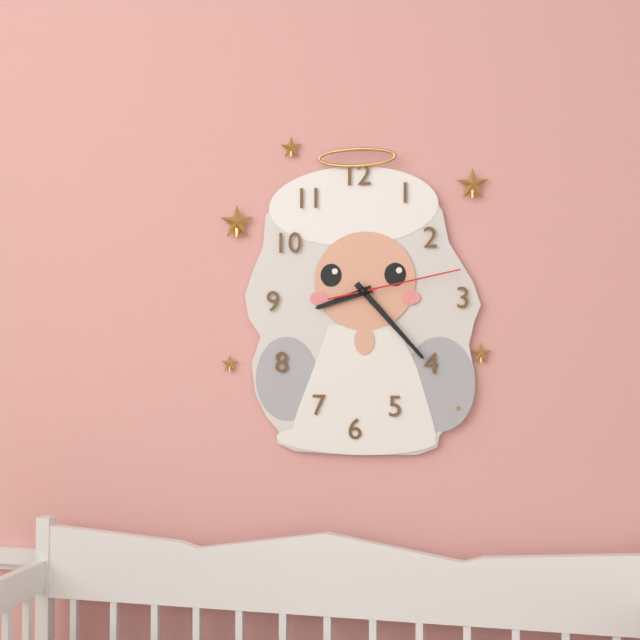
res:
8.23.13
